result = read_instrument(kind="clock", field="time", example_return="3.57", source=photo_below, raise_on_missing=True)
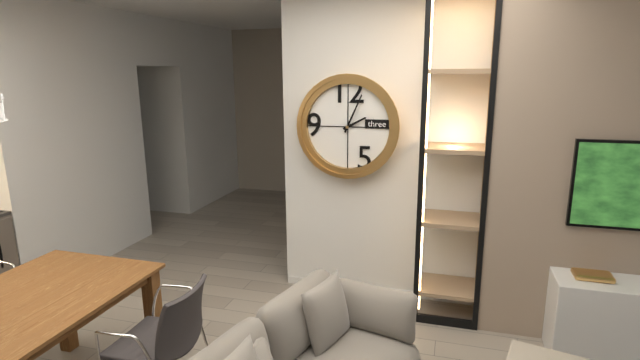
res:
2.04
